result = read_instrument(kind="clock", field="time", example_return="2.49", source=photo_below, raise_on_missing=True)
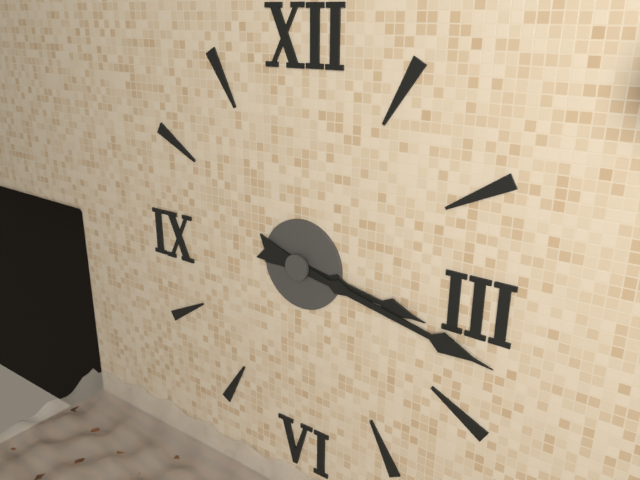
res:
3.17
